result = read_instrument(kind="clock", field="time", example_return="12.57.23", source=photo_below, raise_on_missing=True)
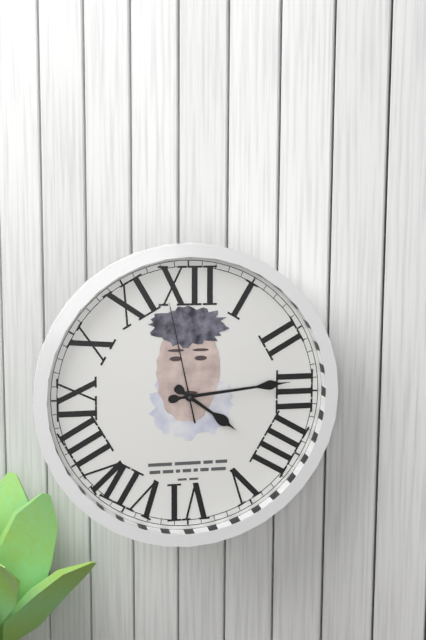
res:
4.14.58
